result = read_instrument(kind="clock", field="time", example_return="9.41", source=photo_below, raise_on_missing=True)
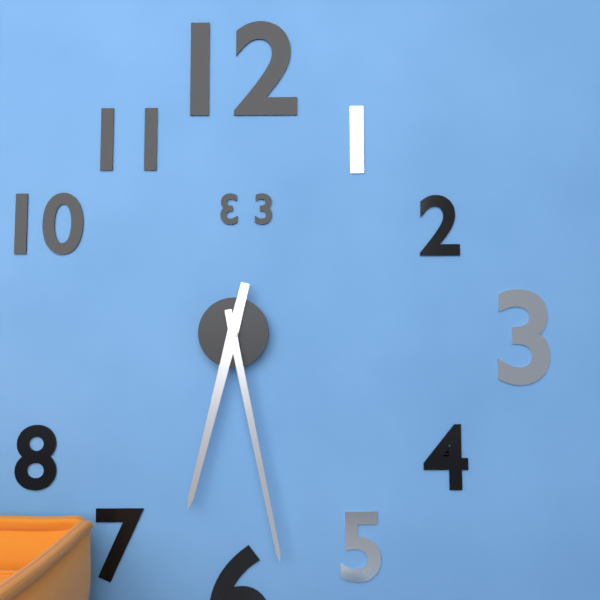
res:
6.28
